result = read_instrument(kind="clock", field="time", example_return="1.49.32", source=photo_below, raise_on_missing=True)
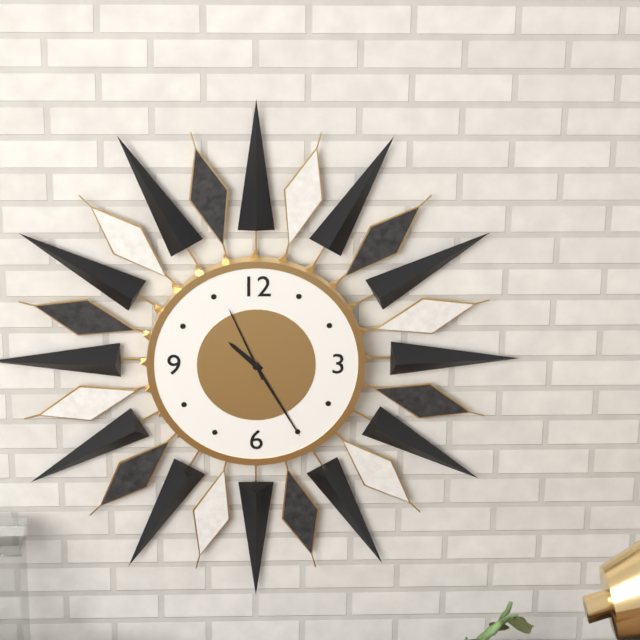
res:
10.25.56
